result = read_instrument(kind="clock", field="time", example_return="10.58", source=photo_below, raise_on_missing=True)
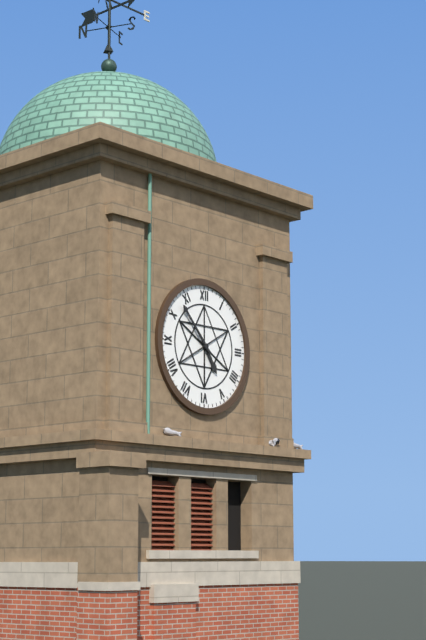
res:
4.53
